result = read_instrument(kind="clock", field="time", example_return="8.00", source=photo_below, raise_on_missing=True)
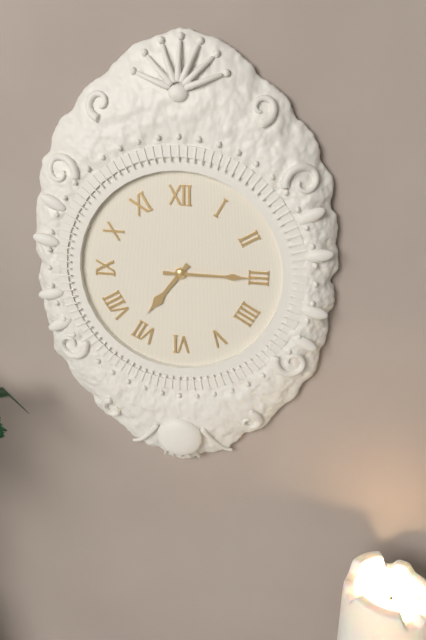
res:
7.15
